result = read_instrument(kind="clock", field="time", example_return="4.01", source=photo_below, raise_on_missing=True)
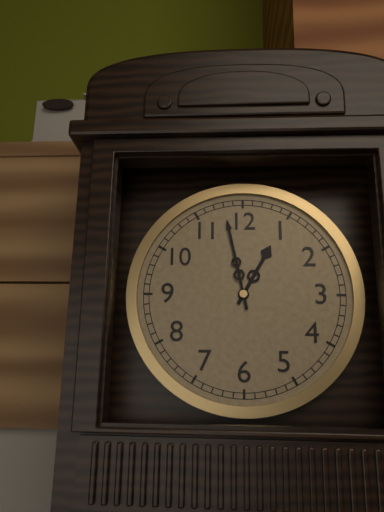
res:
12.58
